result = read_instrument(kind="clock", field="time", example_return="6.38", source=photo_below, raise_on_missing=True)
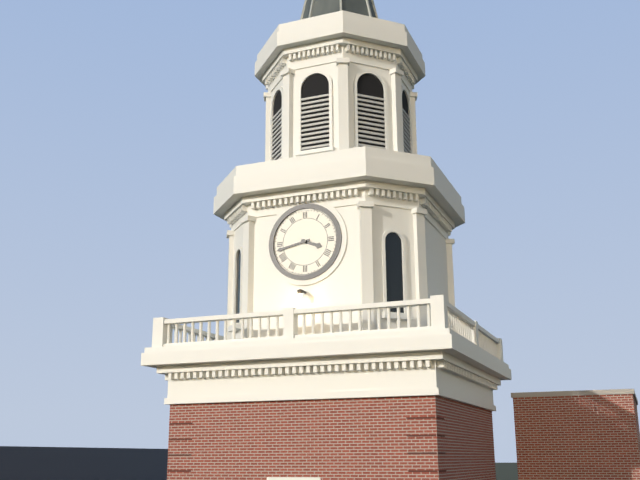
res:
3.43
